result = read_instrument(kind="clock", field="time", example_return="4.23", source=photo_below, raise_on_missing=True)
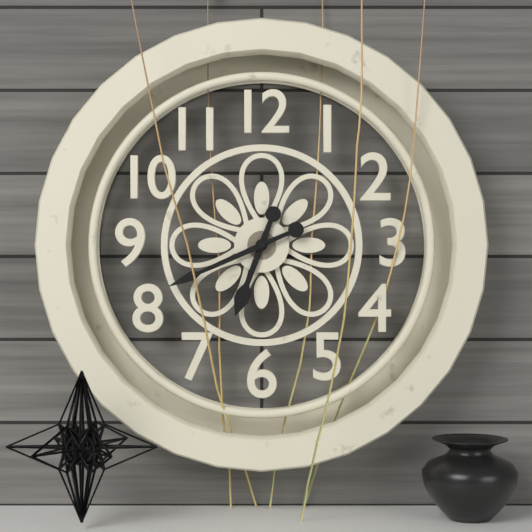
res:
6.41
